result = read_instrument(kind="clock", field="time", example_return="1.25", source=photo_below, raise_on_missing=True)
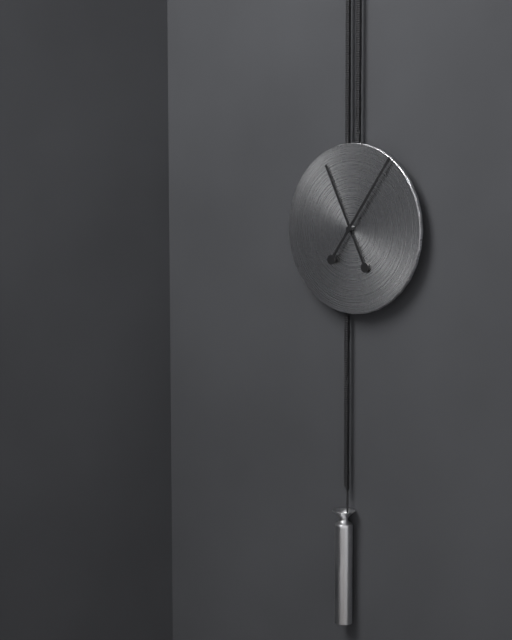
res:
11.06
